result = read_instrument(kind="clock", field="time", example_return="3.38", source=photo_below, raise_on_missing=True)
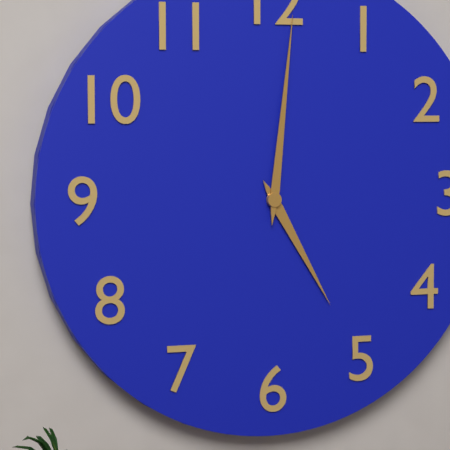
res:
5.01
